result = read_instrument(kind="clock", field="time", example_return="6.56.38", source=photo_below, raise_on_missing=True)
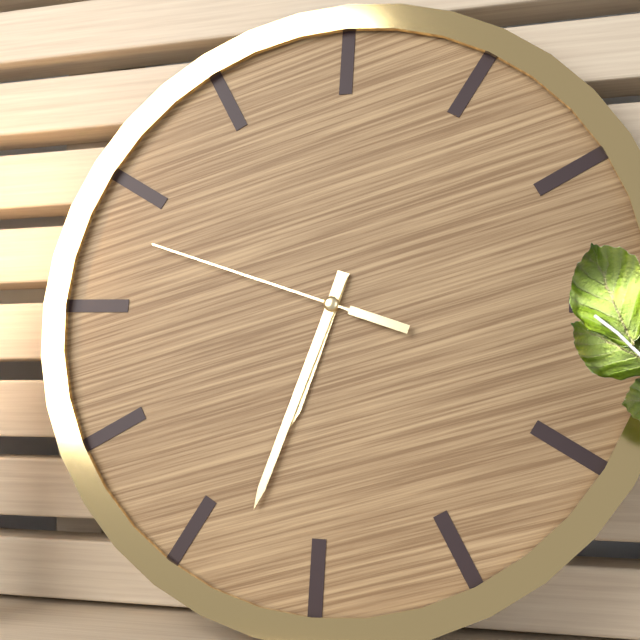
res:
6.33.48
